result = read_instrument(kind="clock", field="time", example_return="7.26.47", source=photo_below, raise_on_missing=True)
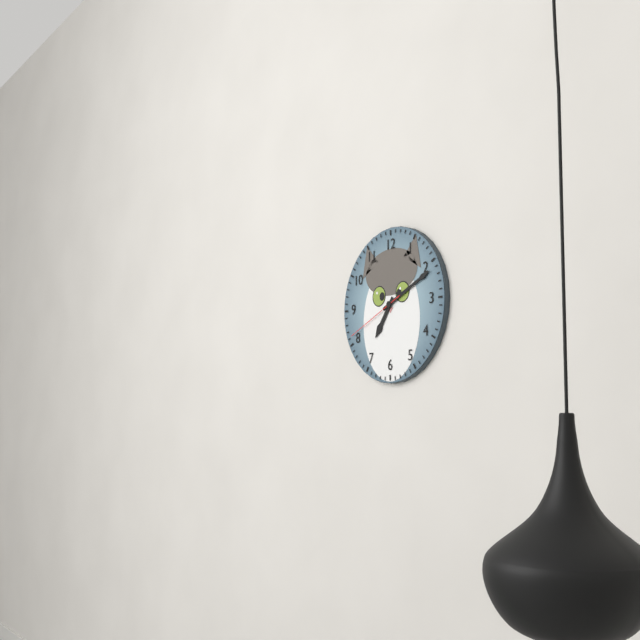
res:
7.11.41
